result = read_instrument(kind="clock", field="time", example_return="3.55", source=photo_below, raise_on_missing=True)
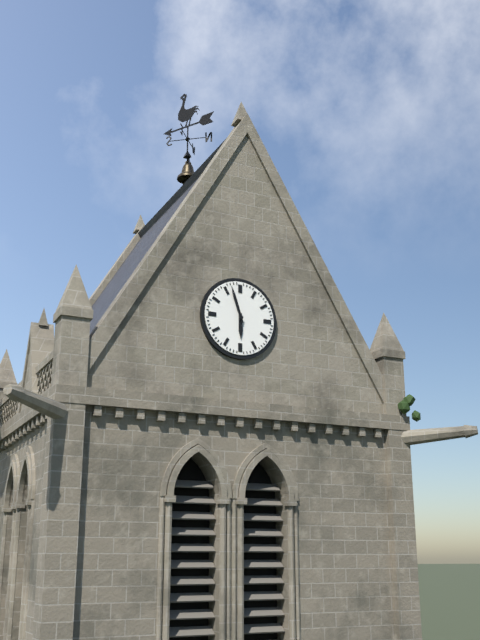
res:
5.57
